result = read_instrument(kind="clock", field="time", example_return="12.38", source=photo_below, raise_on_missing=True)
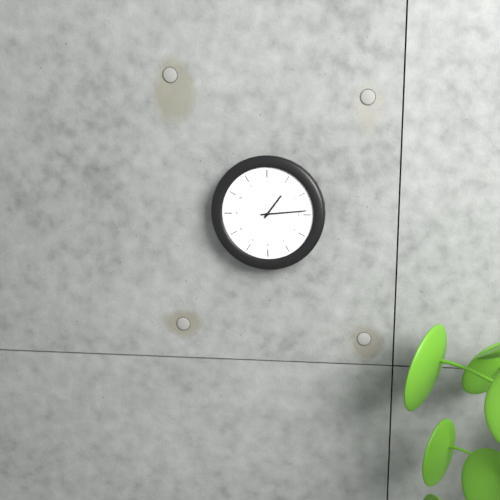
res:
1.14
